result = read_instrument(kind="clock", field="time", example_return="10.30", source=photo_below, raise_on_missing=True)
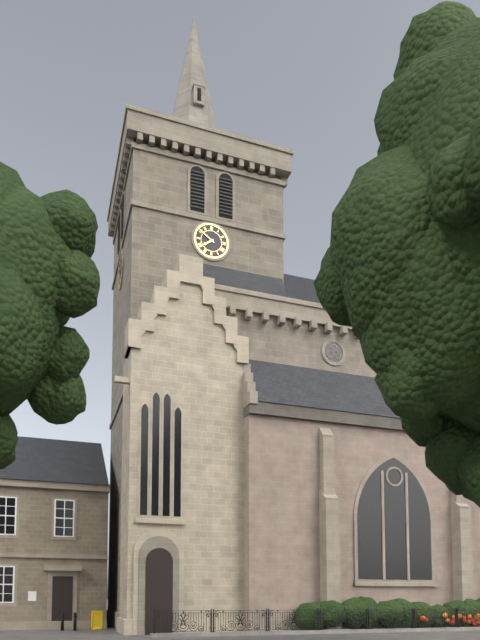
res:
7.51
